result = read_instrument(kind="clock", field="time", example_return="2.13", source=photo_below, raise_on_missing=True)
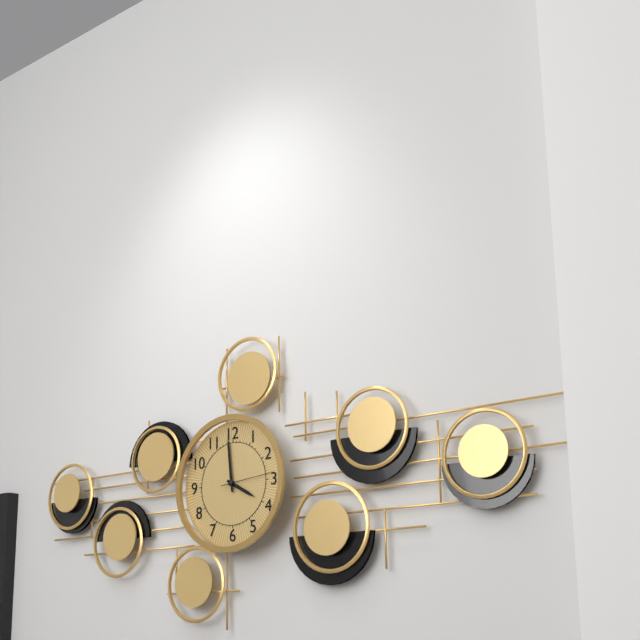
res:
3.59
